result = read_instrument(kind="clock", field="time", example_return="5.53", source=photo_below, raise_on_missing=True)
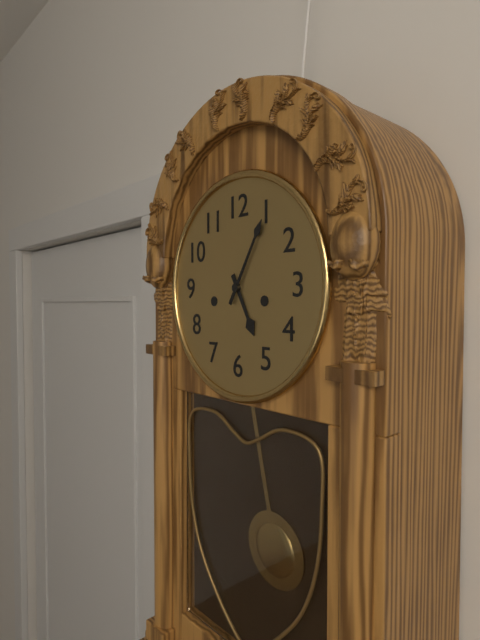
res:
5.05
